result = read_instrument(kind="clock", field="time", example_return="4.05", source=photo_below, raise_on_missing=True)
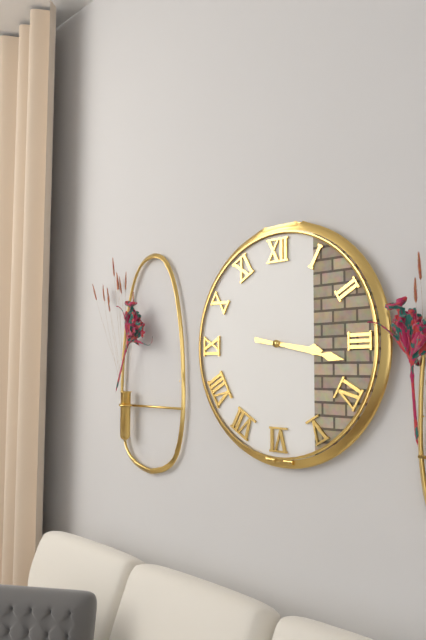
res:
3.17
